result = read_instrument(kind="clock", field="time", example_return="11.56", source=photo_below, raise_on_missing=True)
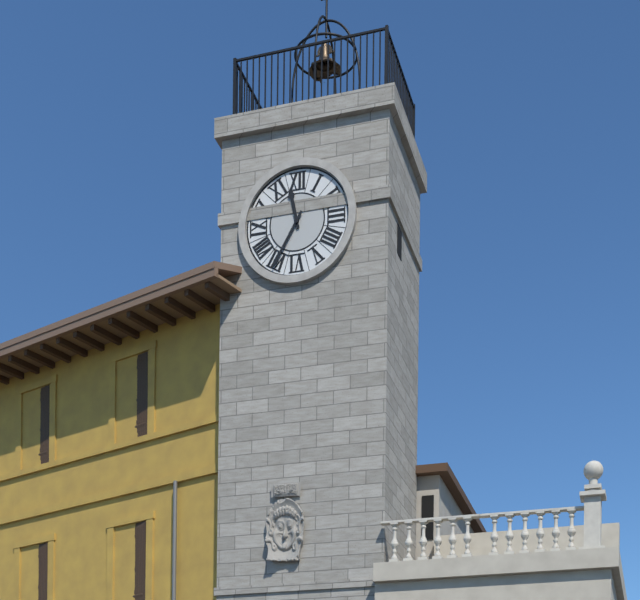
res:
11.35
